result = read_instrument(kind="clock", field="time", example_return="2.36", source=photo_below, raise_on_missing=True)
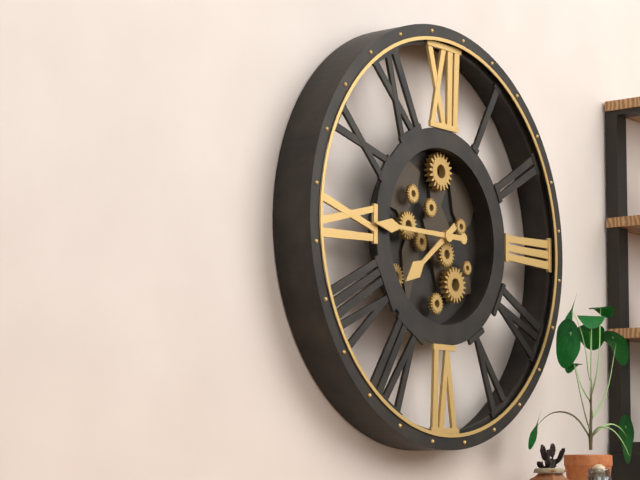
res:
7.45
